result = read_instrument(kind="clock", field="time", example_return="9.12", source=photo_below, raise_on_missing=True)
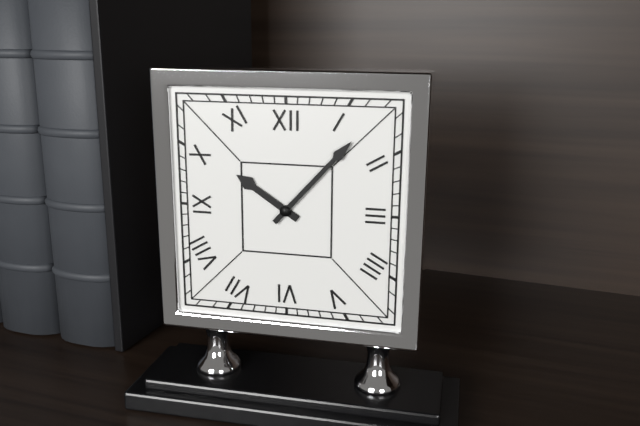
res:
10.07
